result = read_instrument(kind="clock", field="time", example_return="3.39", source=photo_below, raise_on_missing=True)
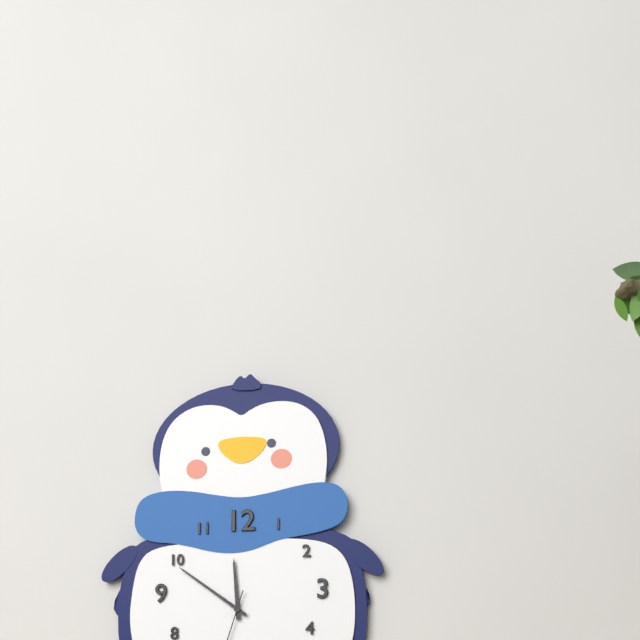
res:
11.51
